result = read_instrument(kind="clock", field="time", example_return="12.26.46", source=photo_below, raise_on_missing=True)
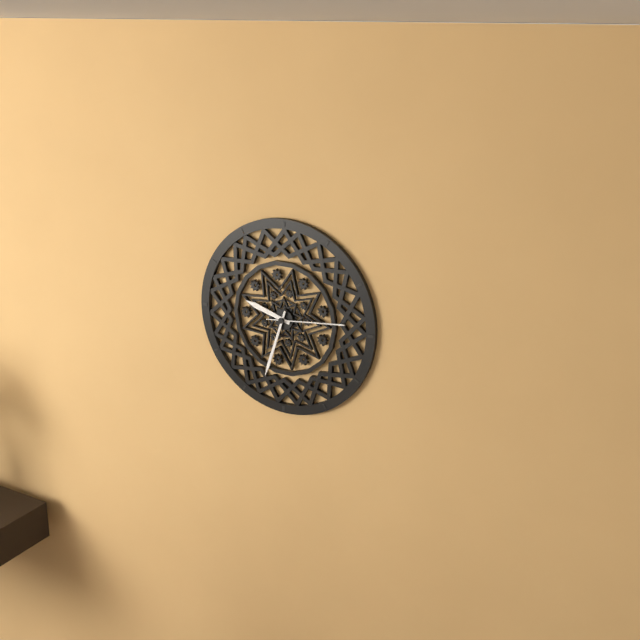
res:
9.33.14
